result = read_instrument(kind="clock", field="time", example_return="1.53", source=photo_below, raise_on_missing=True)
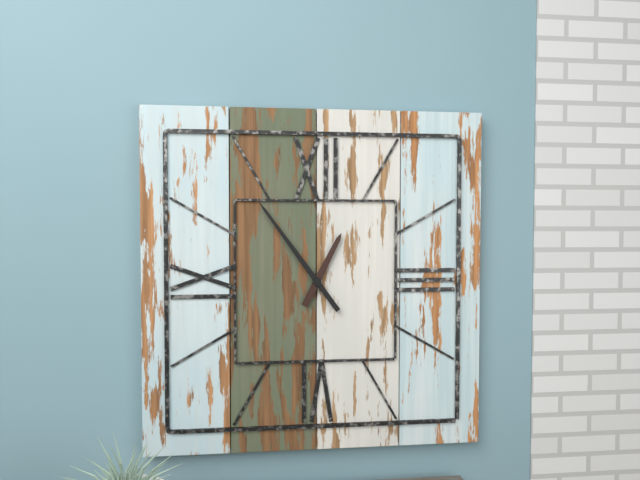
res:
12.54
